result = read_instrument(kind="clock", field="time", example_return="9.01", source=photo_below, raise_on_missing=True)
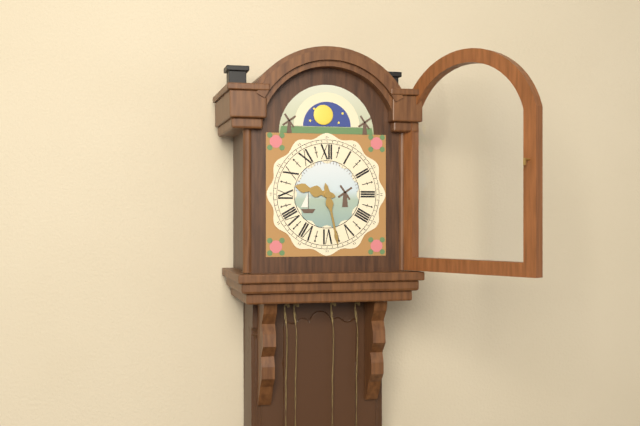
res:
9.28
